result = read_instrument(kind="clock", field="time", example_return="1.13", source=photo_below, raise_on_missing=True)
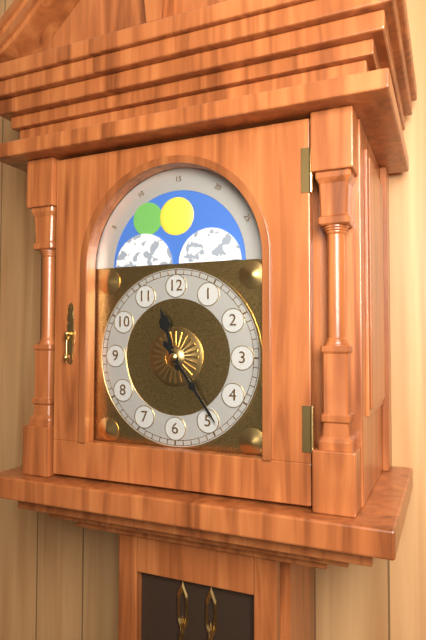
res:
11.24
